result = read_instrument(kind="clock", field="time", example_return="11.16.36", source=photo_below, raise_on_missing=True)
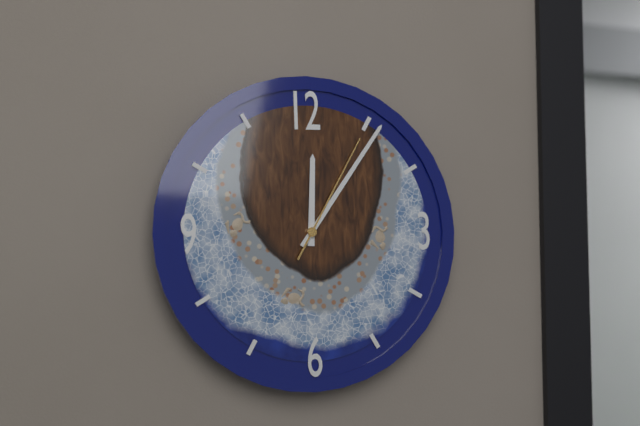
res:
12.06.05
